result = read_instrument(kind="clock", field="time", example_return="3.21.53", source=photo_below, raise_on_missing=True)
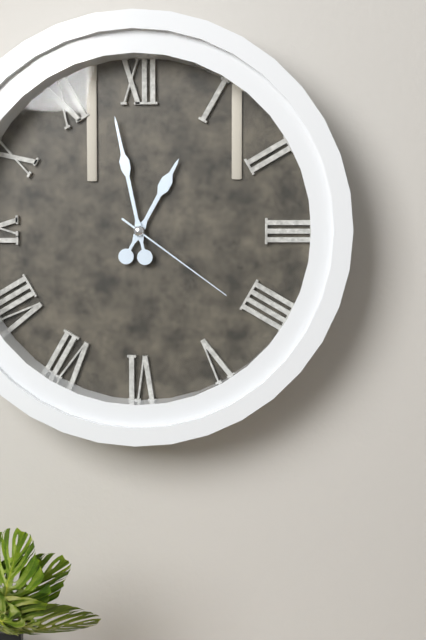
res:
12.58.21
